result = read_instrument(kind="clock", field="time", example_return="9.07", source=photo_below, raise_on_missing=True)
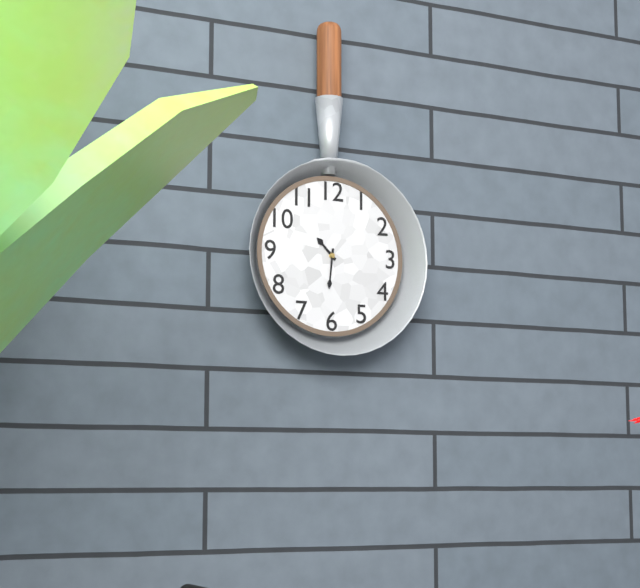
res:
10.31
